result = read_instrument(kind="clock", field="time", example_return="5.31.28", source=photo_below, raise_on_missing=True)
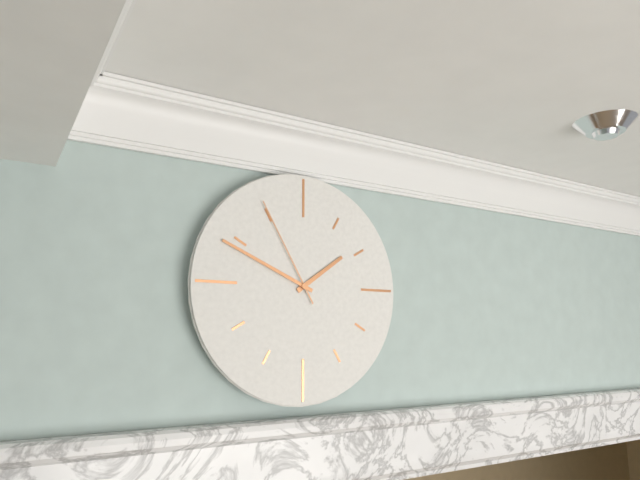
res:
1.49.55
